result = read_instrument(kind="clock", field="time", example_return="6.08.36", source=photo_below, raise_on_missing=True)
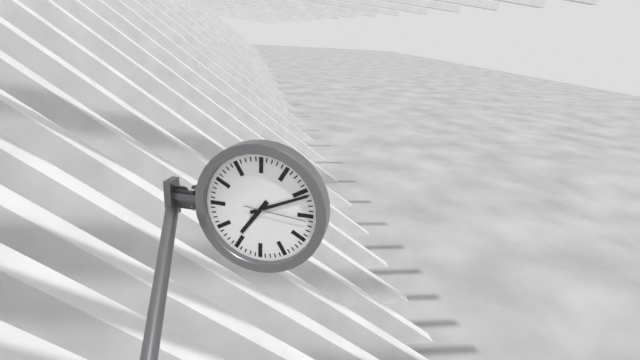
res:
7.11.16
